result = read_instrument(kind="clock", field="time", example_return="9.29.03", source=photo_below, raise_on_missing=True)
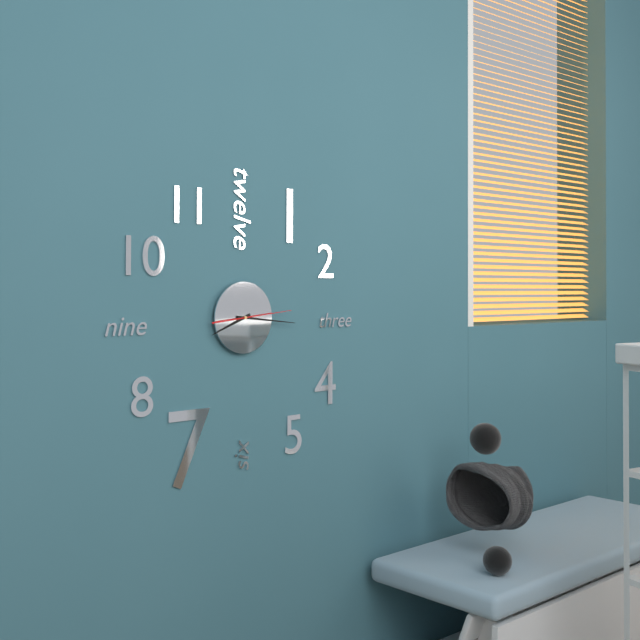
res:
8.16.14
